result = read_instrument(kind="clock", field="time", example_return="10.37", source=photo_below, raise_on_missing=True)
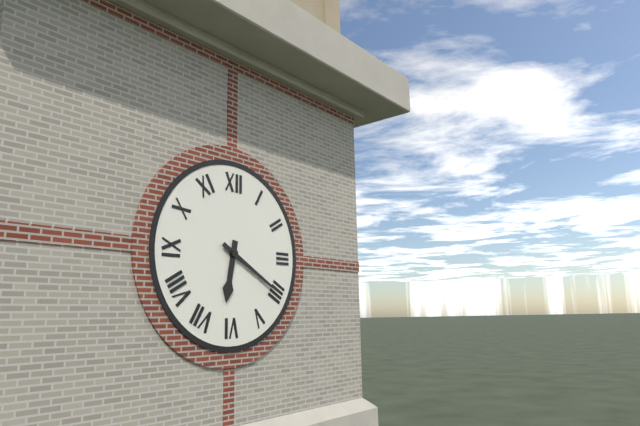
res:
6.20
